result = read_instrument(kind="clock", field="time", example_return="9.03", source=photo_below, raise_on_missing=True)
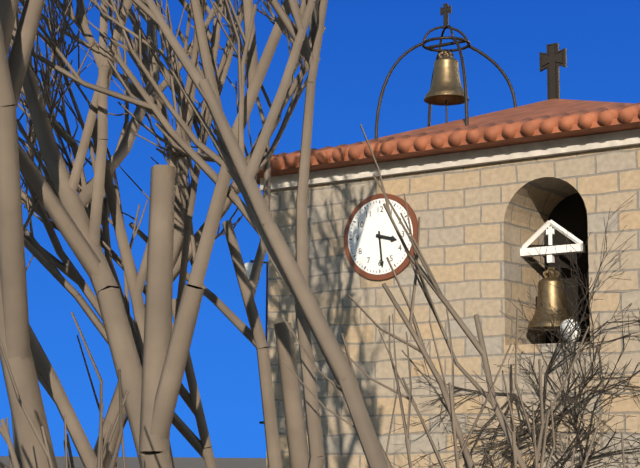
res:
3.29
